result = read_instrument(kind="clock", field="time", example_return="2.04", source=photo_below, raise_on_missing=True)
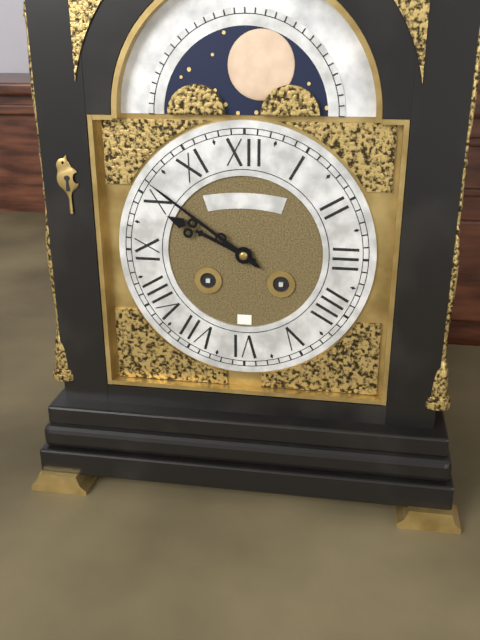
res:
9.51
